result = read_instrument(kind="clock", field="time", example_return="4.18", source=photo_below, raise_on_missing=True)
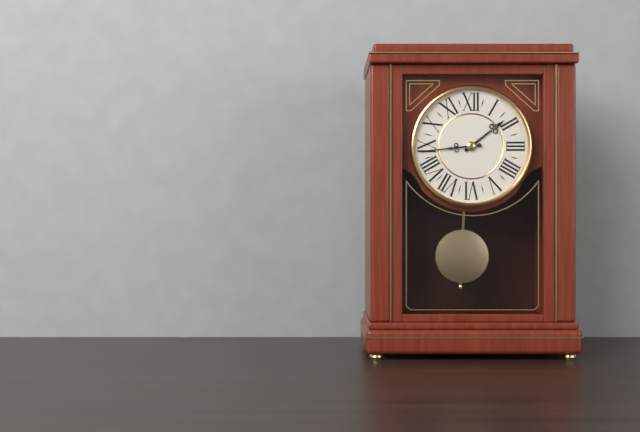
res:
1.44
